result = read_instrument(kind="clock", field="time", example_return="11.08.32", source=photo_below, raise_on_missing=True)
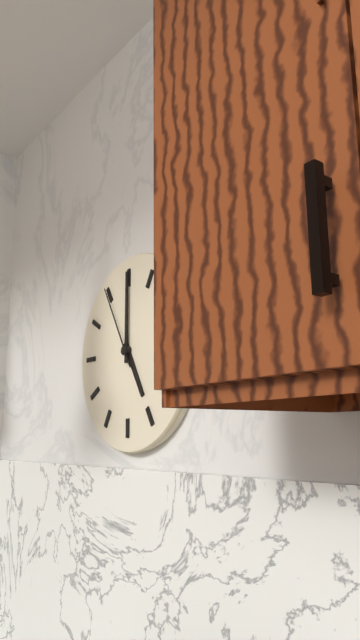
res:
5.00.55
